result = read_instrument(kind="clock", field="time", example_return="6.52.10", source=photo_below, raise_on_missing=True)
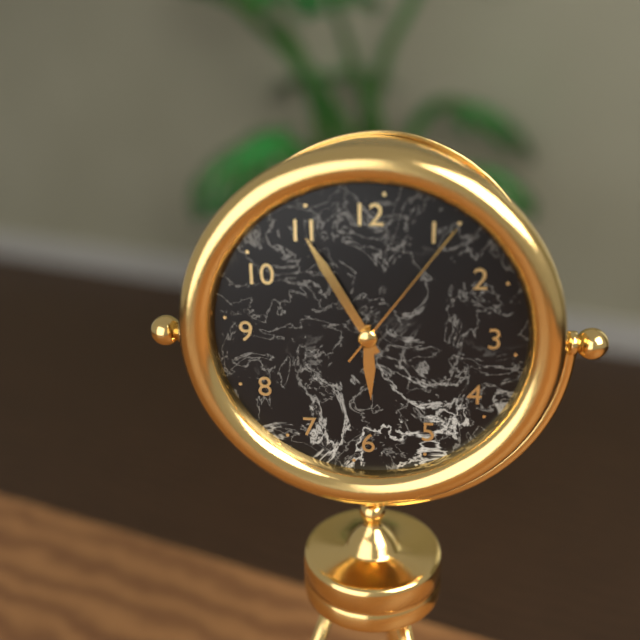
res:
5.55.06
